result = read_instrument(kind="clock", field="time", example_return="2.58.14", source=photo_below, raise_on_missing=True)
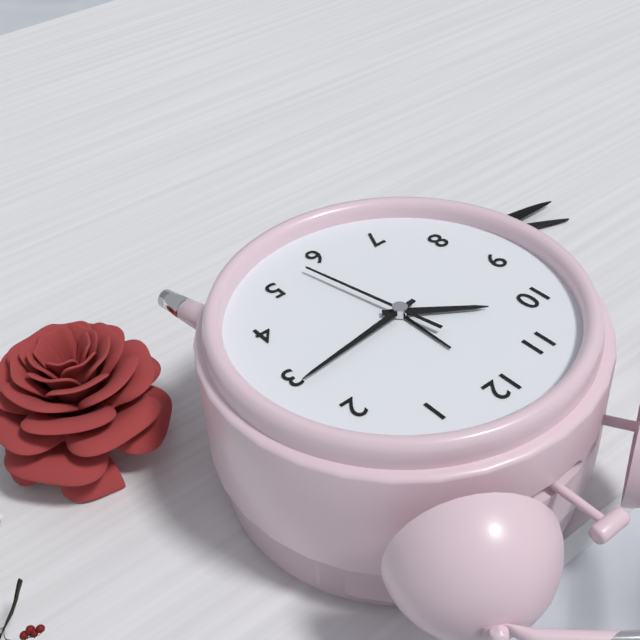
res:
10.14.28
